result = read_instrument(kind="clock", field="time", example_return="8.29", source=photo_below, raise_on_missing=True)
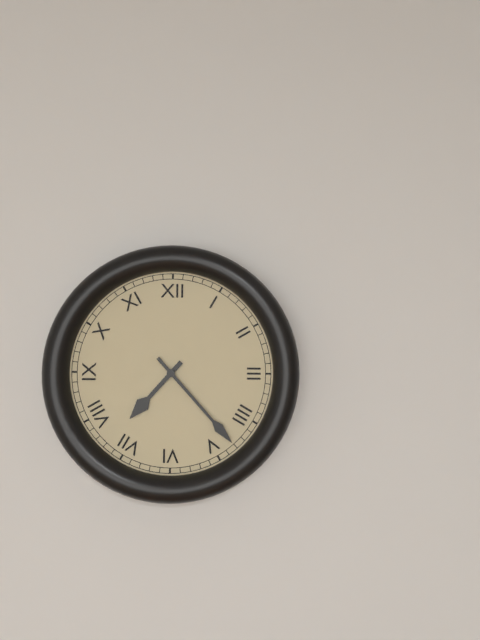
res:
7.23
